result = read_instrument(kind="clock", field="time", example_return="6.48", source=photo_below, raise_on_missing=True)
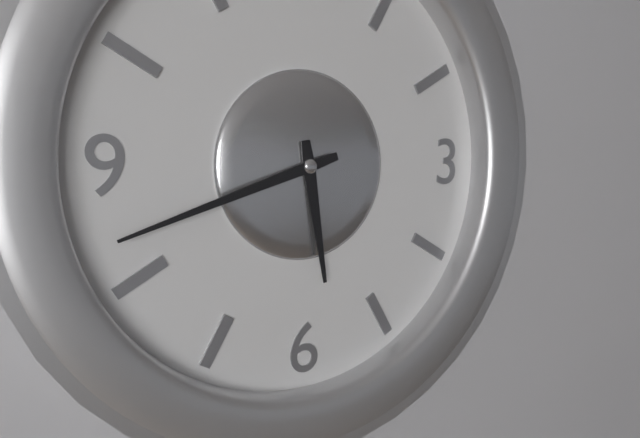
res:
5.42
